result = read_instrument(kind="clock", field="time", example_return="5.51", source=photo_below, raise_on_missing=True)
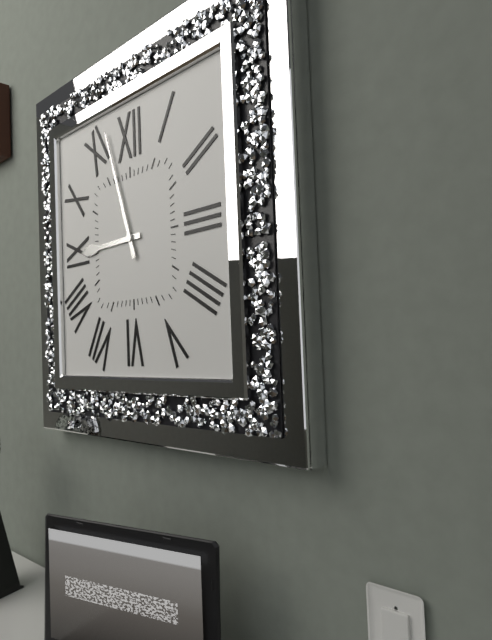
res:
8.57
